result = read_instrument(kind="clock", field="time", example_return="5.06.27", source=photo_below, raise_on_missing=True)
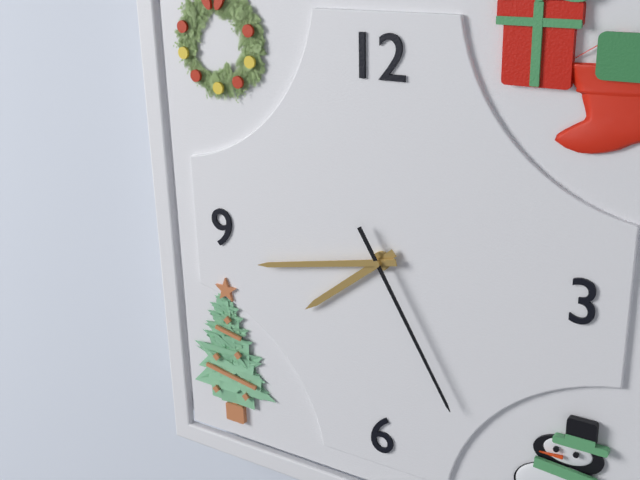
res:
7.43.25
